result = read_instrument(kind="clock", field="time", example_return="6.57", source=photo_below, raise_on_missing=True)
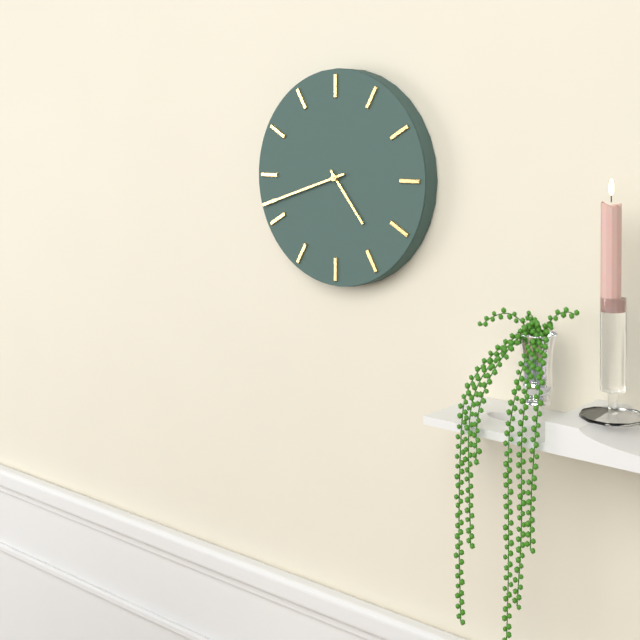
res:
4.42
